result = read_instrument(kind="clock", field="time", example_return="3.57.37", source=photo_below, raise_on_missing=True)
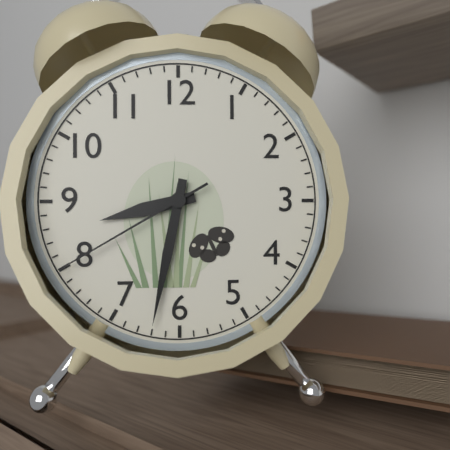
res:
8.32.40
